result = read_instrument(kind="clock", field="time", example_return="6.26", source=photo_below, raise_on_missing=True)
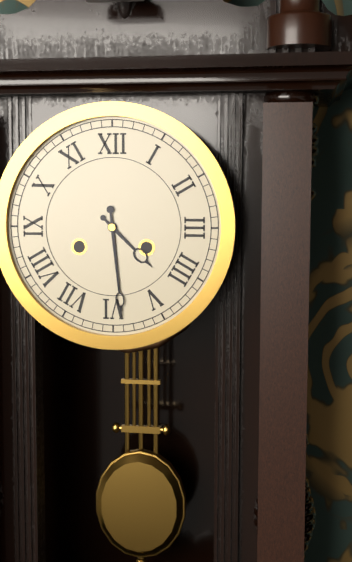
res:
4.29
